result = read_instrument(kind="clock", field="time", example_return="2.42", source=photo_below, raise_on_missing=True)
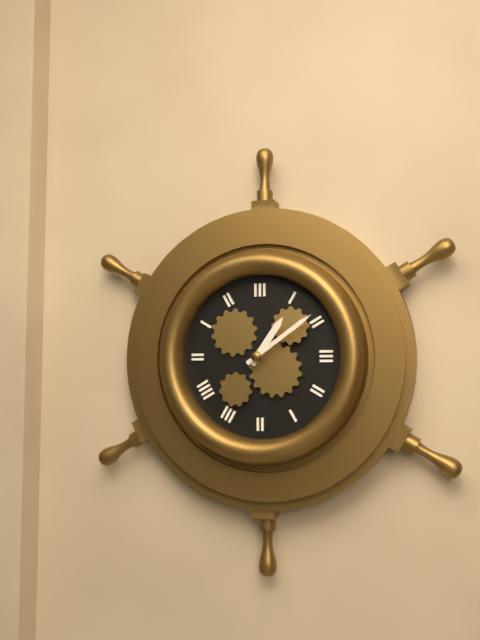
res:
1.09
